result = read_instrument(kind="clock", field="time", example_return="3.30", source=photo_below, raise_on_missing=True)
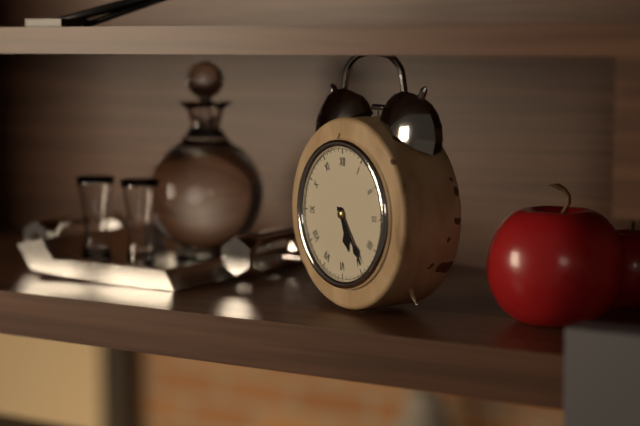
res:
5.24
